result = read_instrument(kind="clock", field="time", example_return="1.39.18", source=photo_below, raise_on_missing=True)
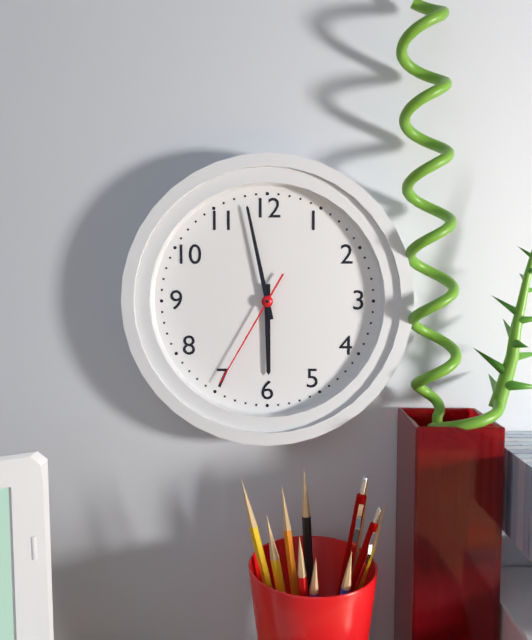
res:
5.58.35
